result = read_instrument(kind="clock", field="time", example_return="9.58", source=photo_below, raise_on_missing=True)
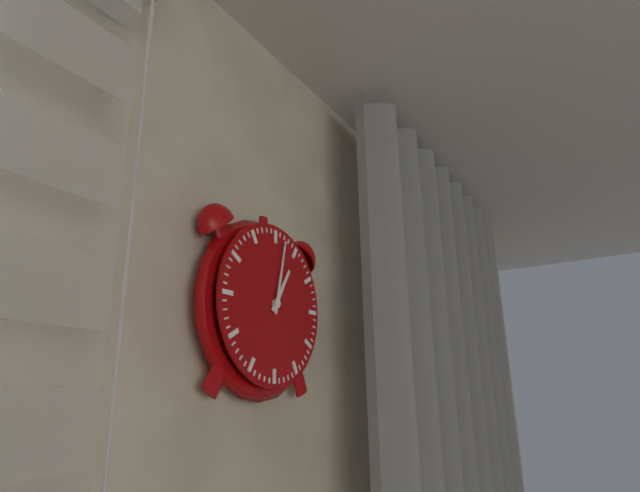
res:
1.02
